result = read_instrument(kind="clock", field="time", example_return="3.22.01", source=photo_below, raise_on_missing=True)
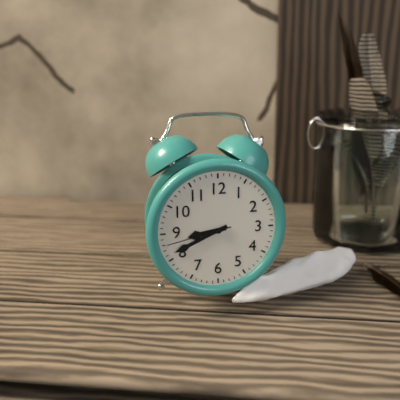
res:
8.41.43
